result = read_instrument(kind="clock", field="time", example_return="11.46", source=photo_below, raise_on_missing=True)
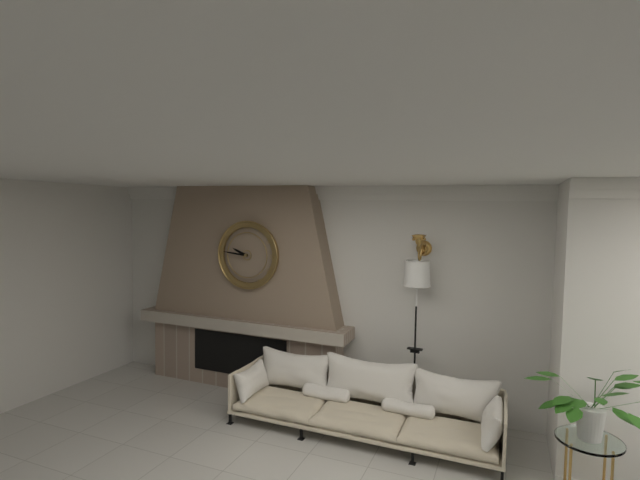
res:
9.46
